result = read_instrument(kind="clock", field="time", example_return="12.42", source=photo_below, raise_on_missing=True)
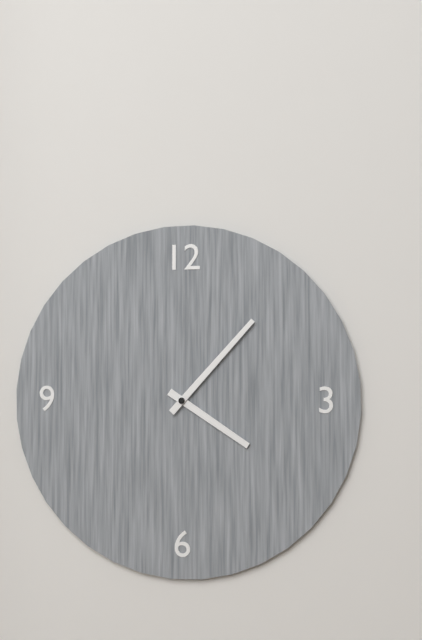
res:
4.07
